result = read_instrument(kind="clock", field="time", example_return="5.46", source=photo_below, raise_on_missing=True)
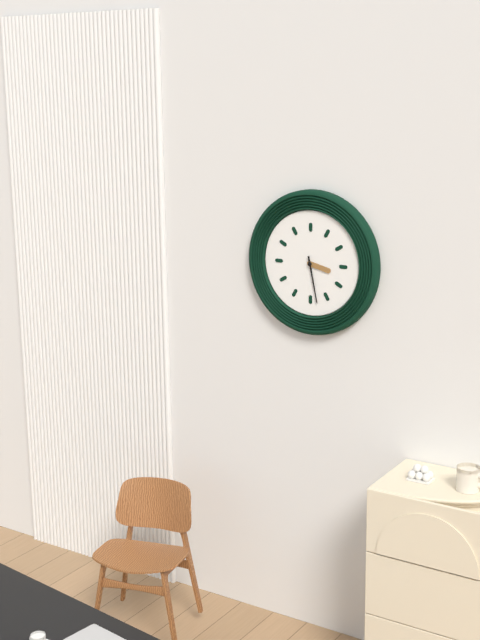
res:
3.28
